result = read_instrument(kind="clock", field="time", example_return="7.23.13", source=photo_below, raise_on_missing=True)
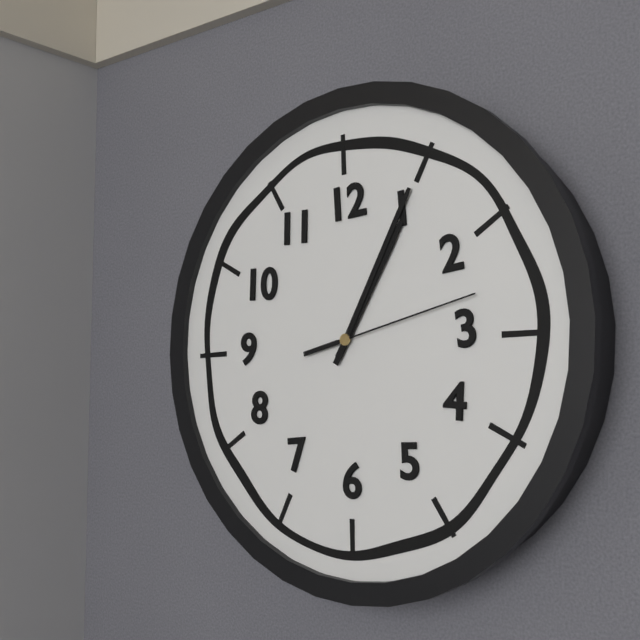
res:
1.05.13
